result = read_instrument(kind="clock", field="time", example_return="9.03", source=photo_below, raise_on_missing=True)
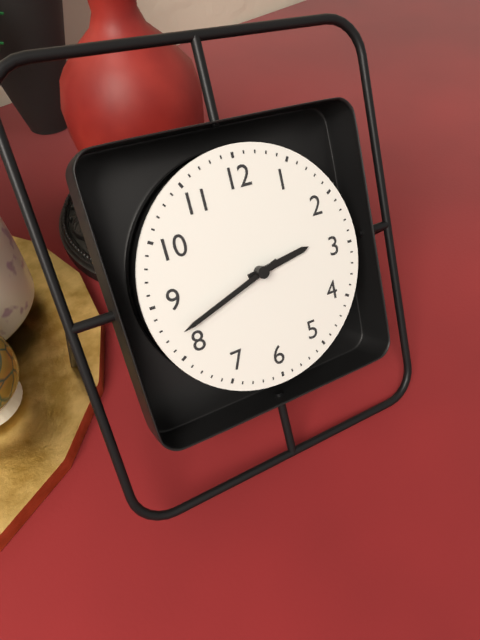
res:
2.42
